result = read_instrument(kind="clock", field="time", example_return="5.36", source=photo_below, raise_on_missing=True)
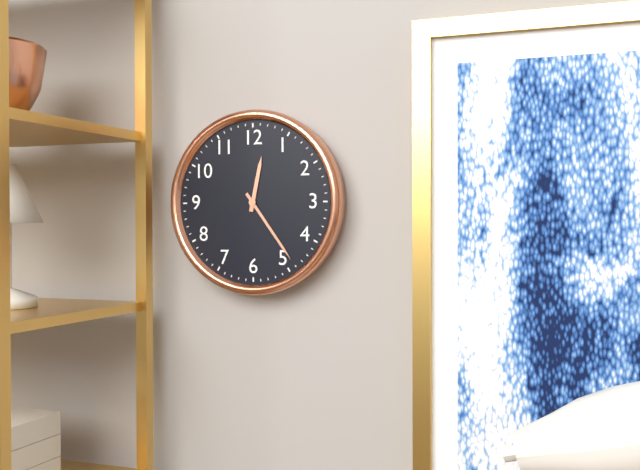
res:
12.24
